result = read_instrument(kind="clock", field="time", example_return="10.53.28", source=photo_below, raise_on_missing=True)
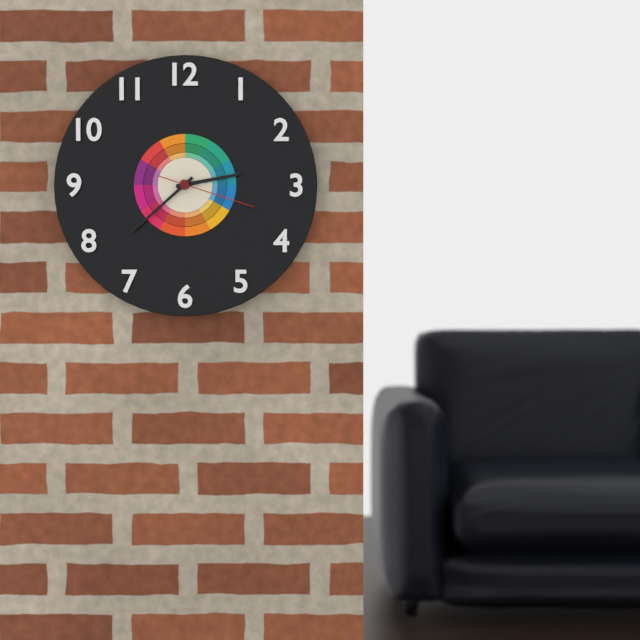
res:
2.38.18
